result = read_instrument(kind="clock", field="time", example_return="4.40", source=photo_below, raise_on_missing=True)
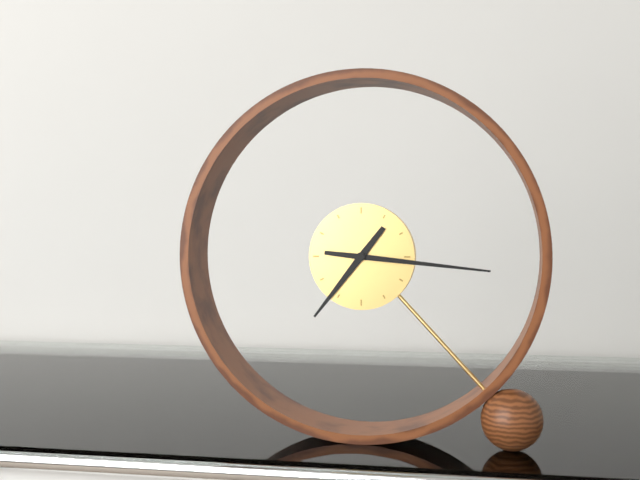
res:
7.16
